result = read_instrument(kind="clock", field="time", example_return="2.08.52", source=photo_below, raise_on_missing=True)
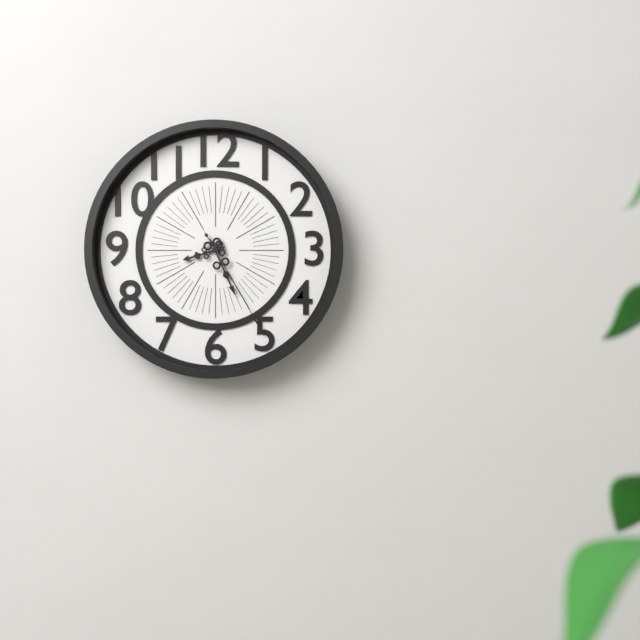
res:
8.26.25
